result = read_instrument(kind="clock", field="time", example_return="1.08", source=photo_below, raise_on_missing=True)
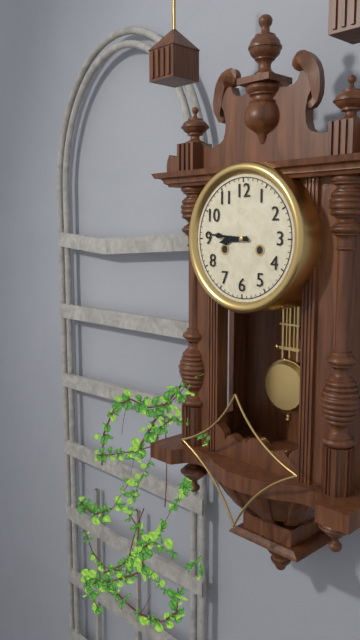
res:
8.46
